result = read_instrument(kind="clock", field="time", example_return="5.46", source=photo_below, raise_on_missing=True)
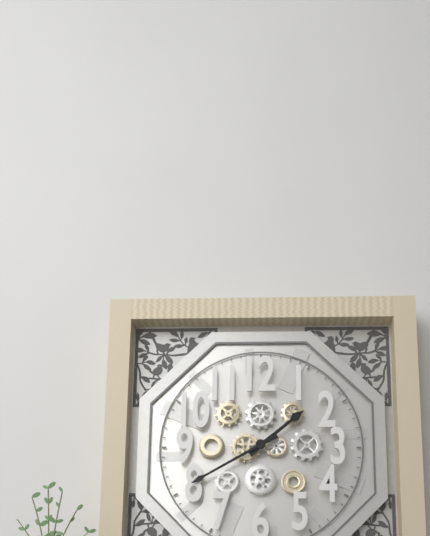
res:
1.40
